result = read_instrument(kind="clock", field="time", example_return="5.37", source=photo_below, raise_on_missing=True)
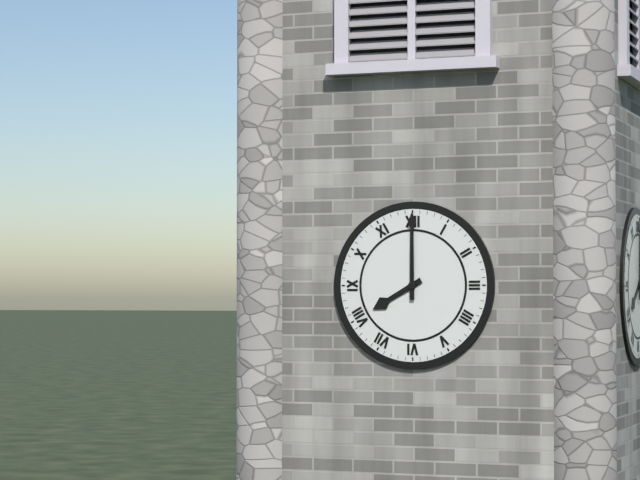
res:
8.00
